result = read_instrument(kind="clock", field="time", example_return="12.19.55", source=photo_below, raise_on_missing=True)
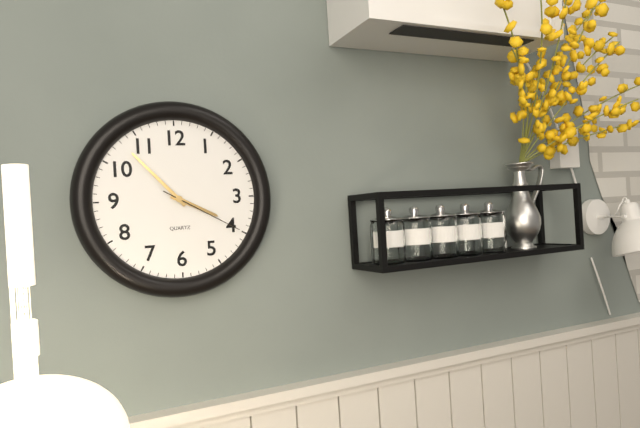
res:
3.53.20
